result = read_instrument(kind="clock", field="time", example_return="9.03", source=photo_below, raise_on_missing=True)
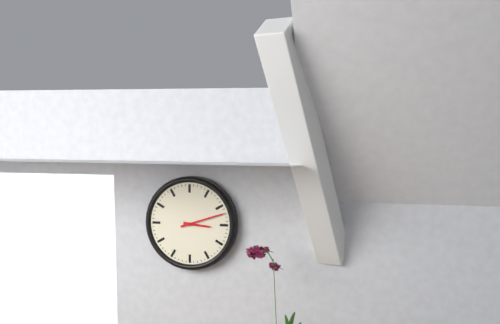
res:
3.12
